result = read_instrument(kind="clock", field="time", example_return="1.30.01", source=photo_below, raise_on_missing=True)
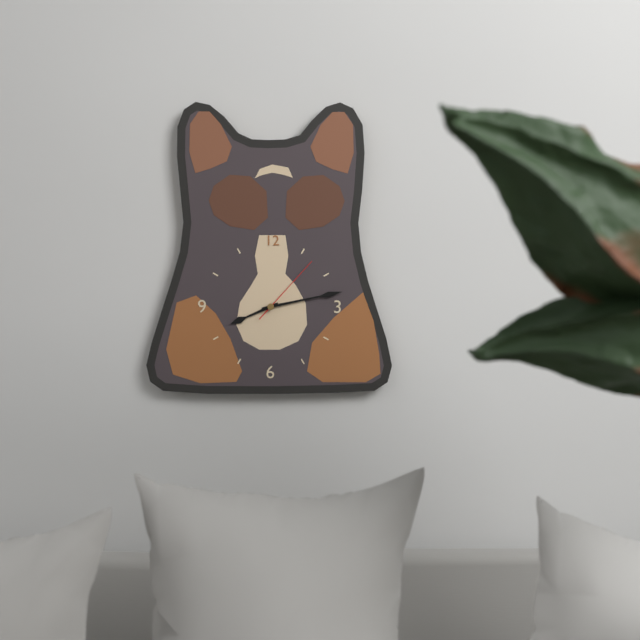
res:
8.13.07
